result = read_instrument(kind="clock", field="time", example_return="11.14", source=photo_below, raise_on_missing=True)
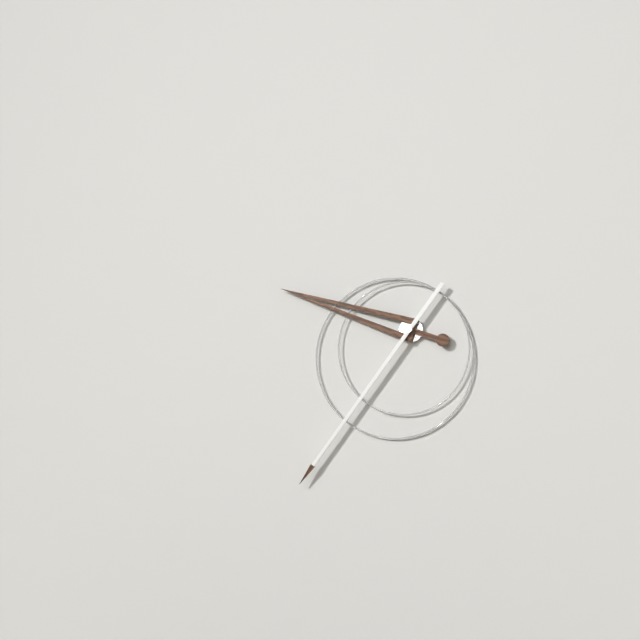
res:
9.36
